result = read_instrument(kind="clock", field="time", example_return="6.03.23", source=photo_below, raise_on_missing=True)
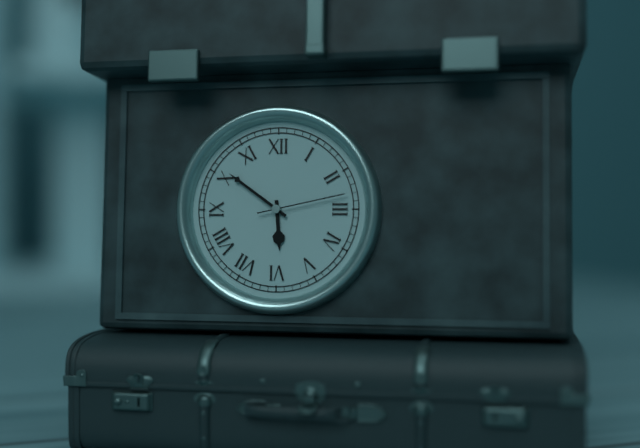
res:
5.51.13
